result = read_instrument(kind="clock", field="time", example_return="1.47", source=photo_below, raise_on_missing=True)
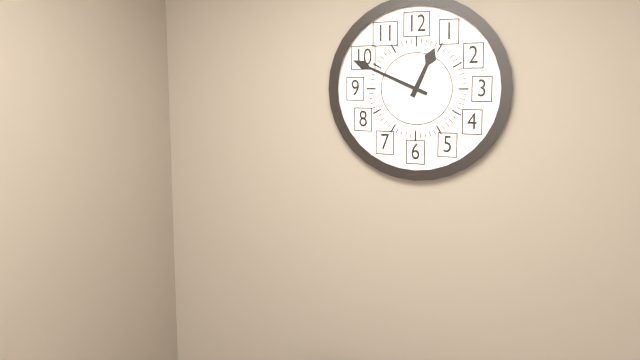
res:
12.49
